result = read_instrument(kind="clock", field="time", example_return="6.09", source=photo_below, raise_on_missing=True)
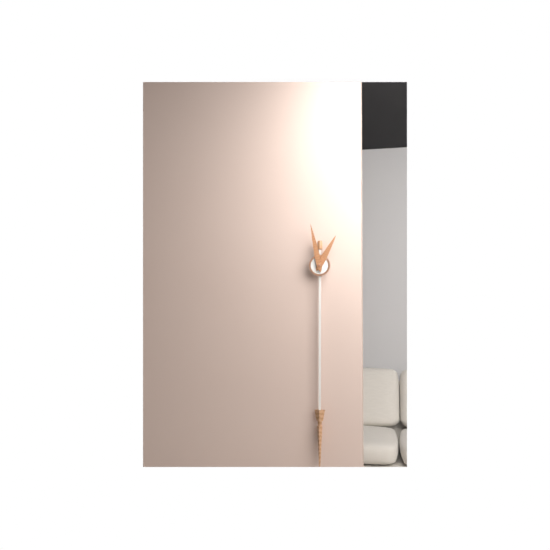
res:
12.58
